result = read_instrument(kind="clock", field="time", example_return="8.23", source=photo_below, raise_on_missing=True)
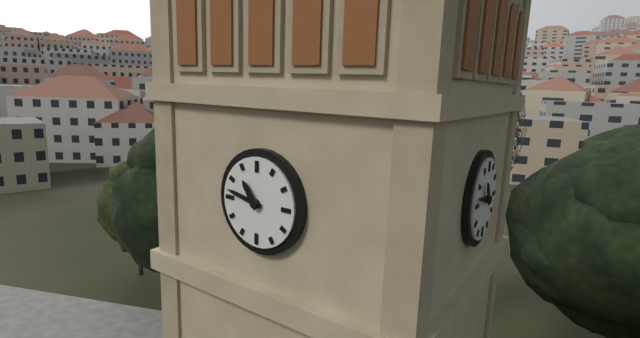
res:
10.47
